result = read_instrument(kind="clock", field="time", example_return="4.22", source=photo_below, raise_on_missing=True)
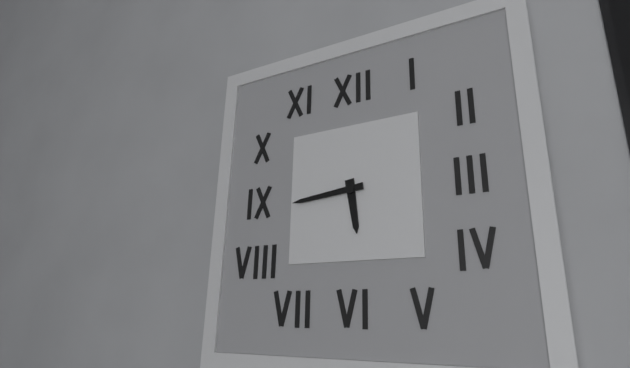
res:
5.44
